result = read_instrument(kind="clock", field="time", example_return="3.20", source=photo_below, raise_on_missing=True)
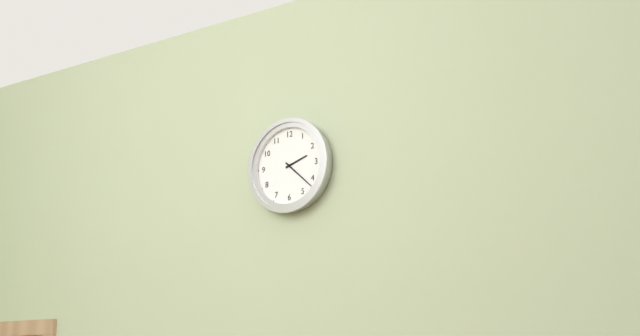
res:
2.22
